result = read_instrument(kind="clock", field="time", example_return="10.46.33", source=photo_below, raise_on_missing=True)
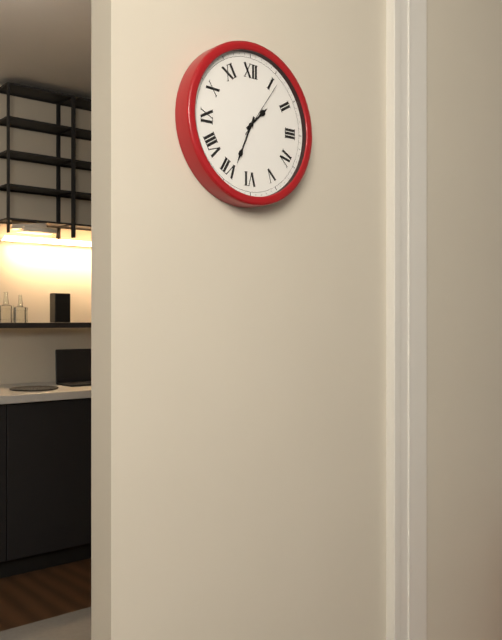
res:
1.34.06
